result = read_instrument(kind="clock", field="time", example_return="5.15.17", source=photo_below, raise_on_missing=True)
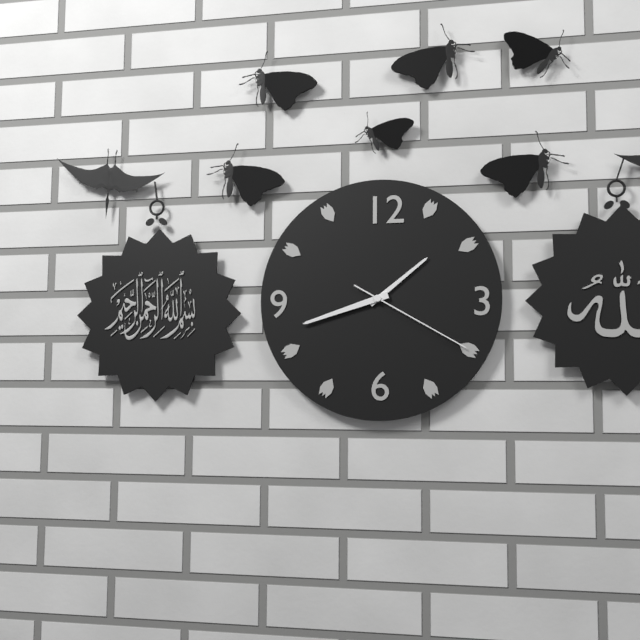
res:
1.42.20
